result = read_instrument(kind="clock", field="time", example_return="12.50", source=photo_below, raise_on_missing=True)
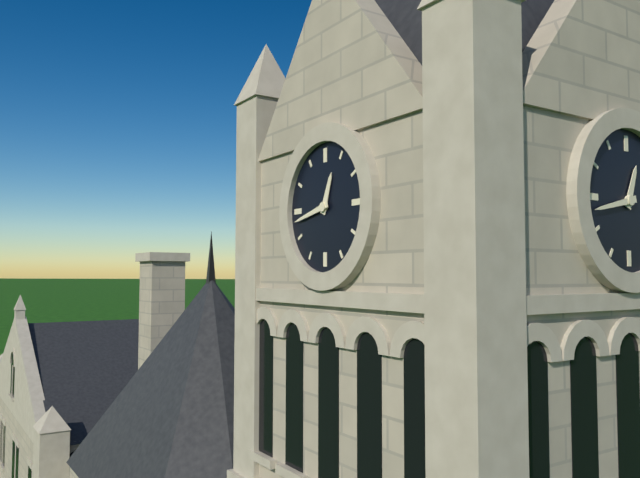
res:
12.43
